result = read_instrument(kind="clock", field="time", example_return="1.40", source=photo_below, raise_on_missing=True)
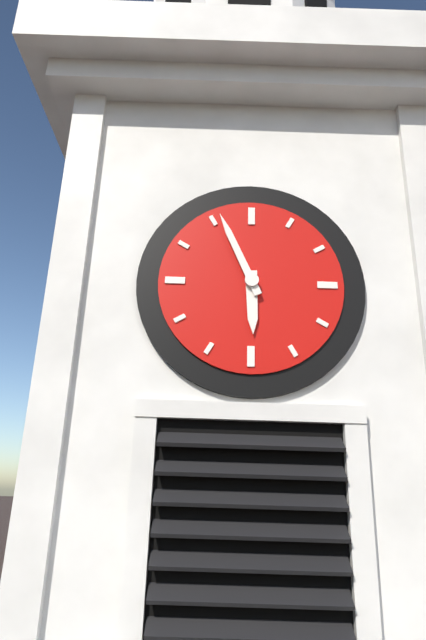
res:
5.56
